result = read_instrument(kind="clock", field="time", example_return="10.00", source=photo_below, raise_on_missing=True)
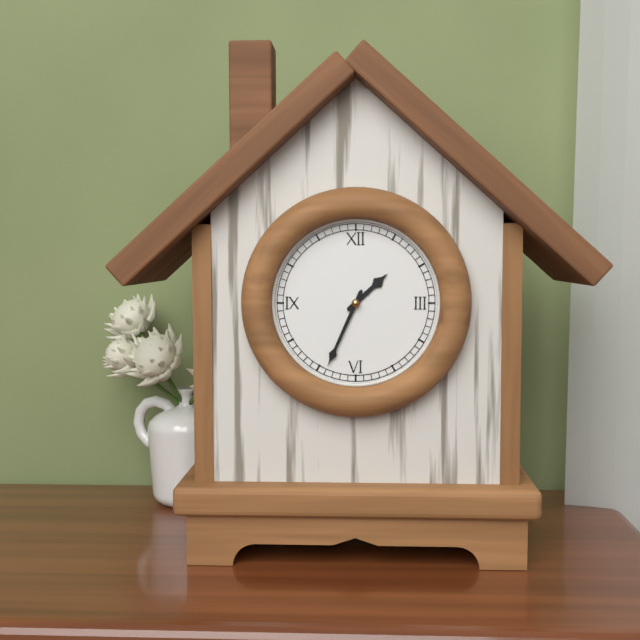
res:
1.34
